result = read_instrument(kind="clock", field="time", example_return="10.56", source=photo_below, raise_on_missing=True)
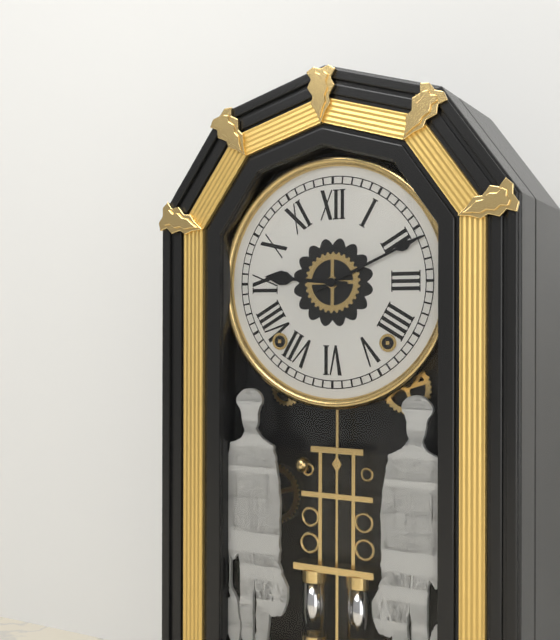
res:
9.11
